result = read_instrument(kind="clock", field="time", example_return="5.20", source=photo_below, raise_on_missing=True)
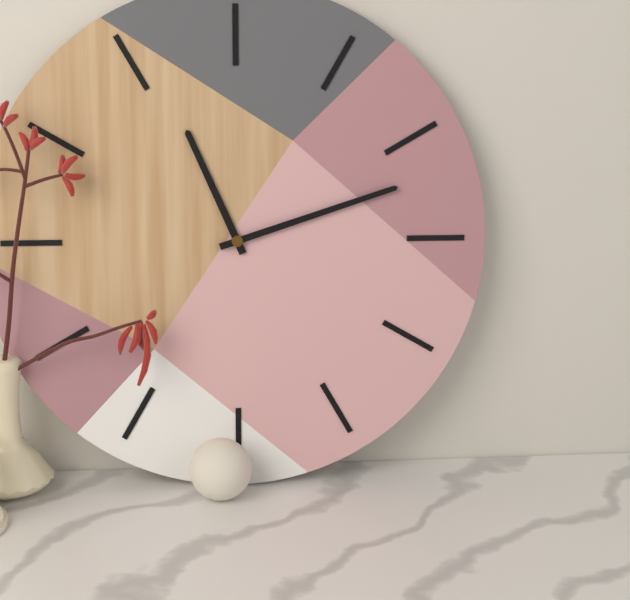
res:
11.12
